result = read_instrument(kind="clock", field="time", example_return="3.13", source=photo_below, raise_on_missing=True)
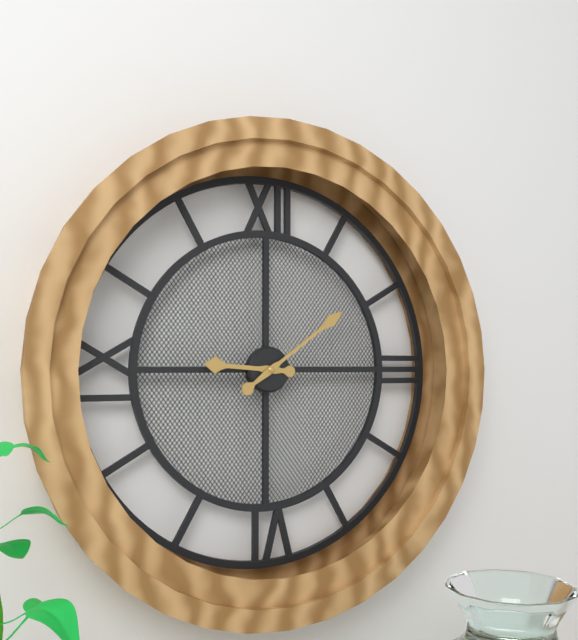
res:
9.09
